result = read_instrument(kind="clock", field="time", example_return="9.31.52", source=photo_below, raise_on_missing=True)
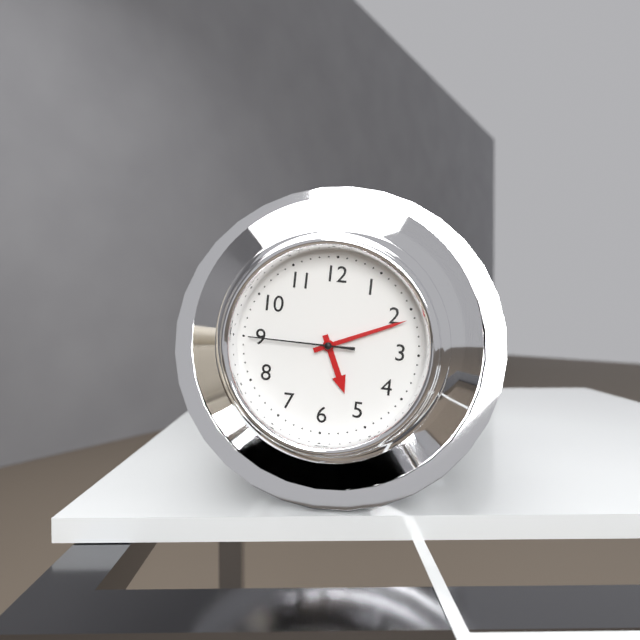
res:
5.11.45
